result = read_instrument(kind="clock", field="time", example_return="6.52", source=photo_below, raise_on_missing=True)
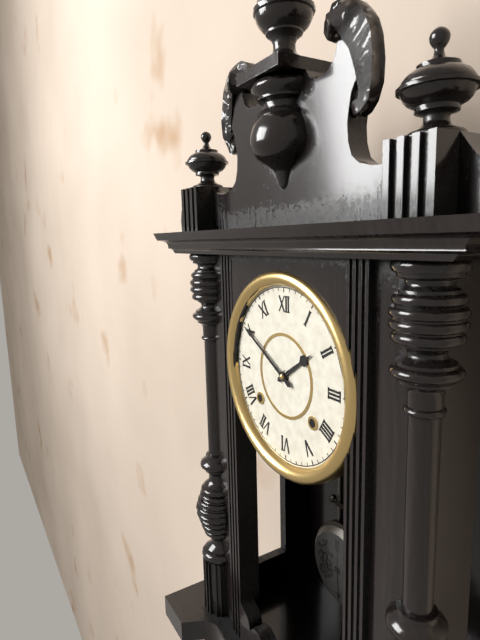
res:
1.50
